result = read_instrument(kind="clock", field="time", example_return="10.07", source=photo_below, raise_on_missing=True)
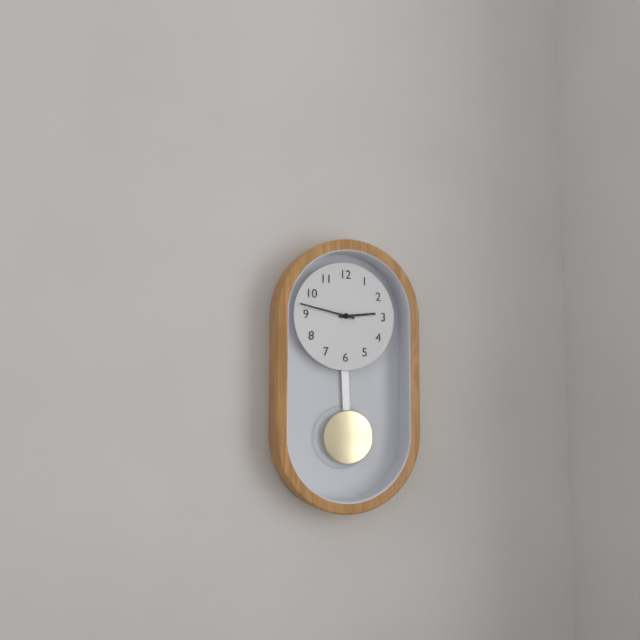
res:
2.47
